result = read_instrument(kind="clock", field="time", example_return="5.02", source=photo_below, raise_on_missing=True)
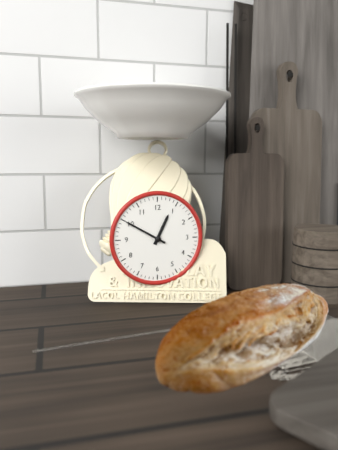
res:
12.50
